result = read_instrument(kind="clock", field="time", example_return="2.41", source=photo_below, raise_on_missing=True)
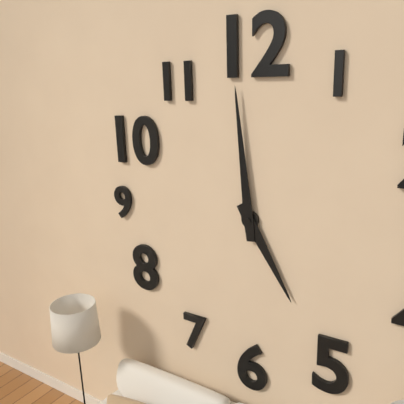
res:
4.59
